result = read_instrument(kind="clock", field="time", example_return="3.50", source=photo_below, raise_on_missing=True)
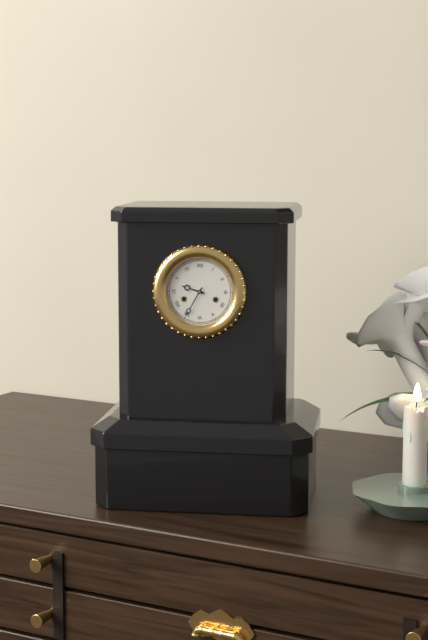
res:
9.35
